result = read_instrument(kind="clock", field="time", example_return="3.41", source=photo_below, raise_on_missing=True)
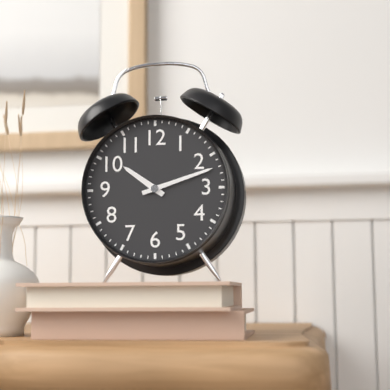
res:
10.12
